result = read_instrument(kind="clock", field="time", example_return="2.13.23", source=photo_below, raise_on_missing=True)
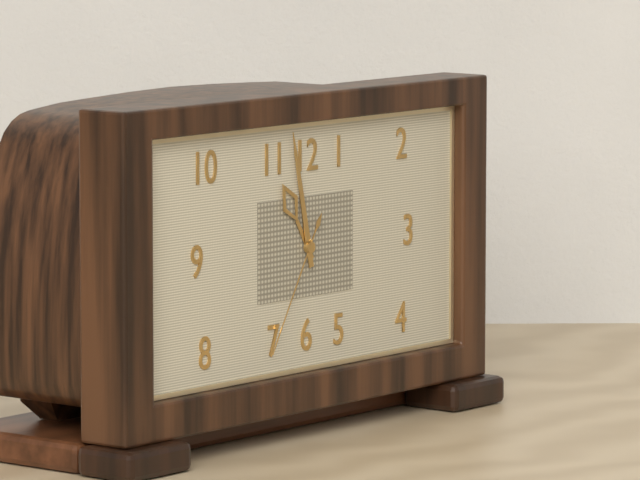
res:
10.58.35
